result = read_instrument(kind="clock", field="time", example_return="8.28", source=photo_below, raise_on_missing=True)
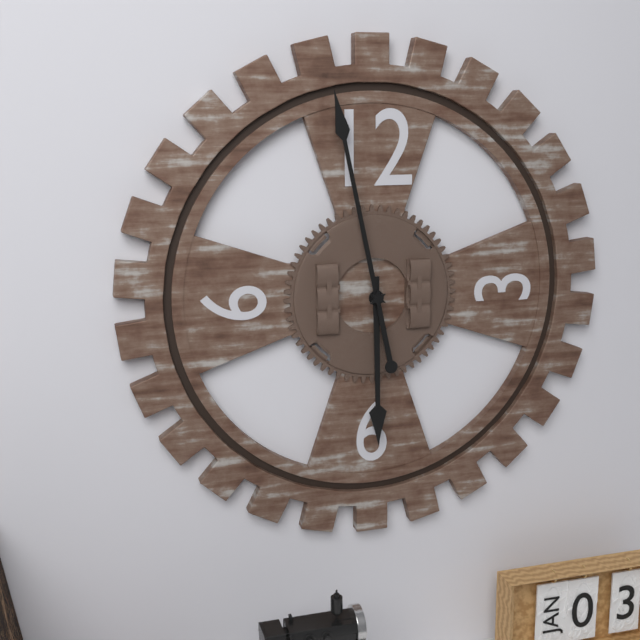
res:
5.58
